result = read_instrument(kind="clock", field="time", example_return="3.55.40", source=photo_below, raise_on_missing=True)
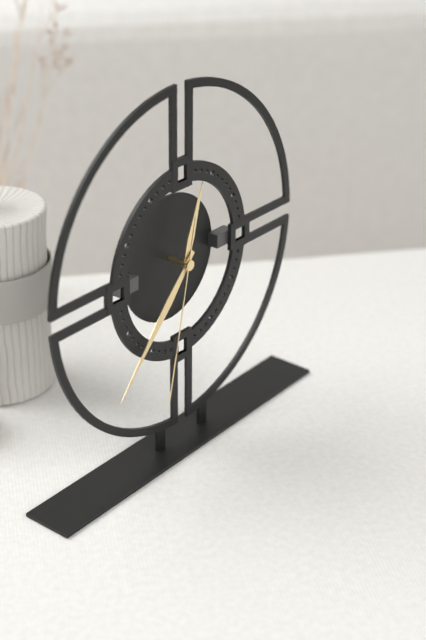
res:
12.37.32
